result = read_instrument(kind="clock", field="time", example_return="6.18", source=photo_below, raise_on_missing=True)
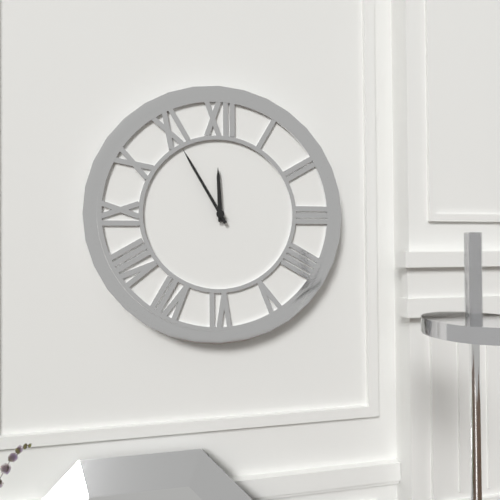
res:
11.55
